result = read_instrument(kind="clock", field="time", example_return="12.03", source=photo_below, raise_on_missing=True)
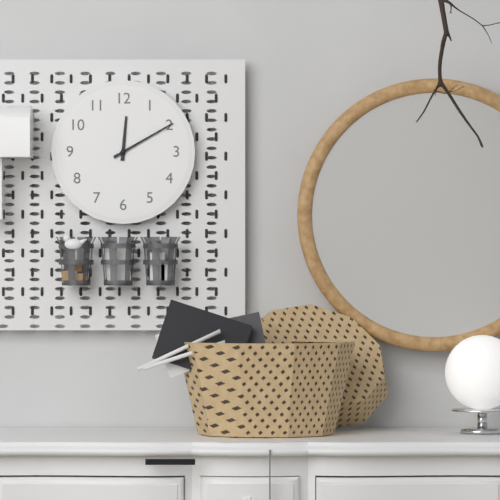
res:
12.10
